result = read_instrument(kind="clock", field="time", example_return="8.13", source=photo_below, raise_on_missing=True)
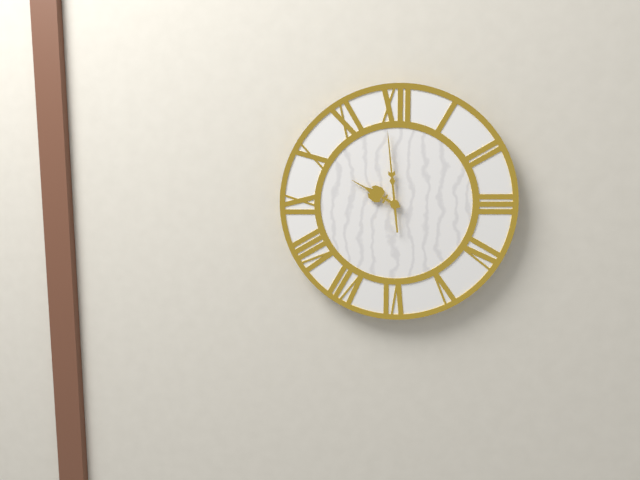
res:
9.59
